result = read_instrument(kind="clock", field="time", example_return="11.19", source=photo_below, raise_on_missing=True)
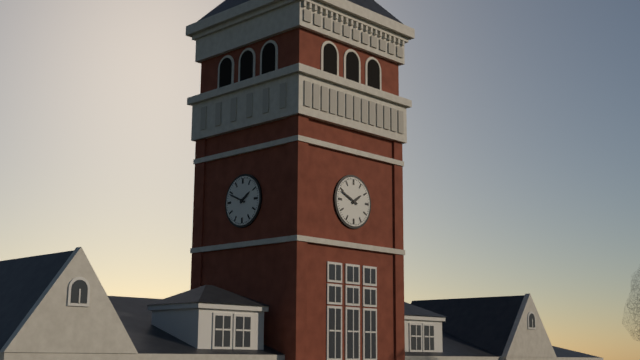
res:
1.49
